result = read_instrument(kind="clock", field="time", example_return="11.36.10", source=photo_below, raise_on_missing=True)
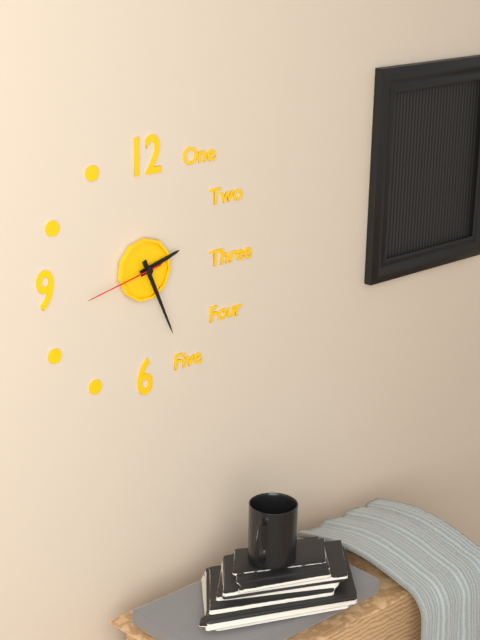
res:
2.26.43
